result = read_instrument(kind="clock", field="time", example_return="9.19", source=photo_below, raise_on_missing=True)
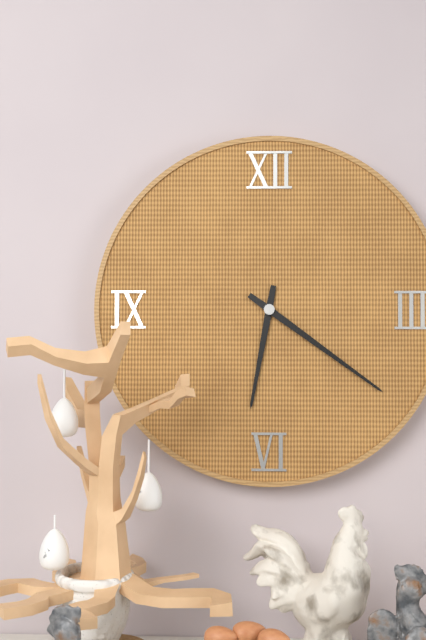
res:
6.21
